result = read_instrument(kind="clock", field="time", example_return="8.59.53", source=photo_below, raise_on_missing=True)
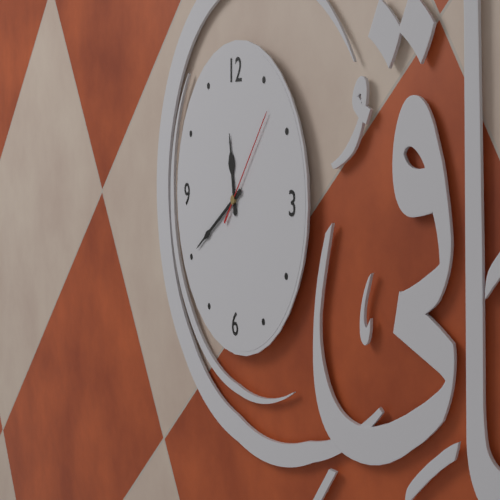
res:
11.40.07
